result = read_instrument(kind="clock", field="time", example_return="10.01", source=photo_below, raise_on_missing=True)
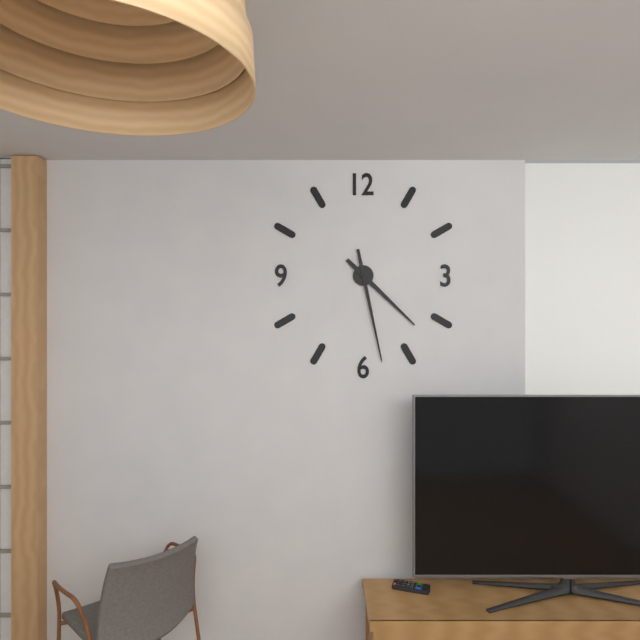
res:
4.28
